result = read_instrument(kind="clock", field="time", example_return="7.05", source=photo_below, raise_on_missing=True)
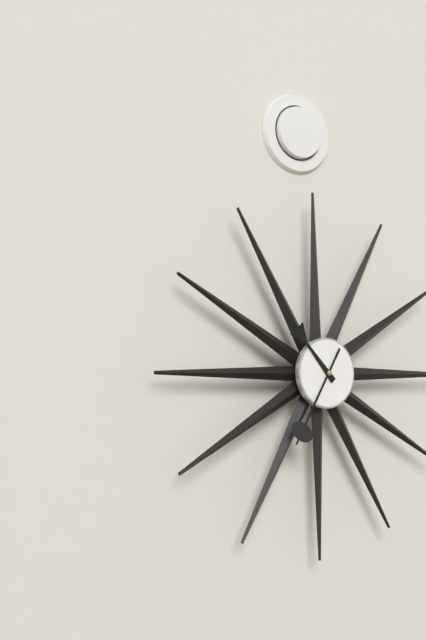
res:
10.35
